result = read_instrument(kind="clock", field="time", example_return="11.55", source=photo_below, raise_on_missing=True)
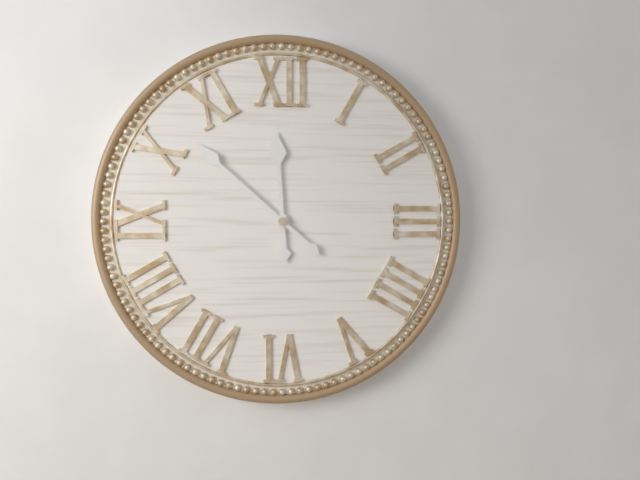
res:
11.52
